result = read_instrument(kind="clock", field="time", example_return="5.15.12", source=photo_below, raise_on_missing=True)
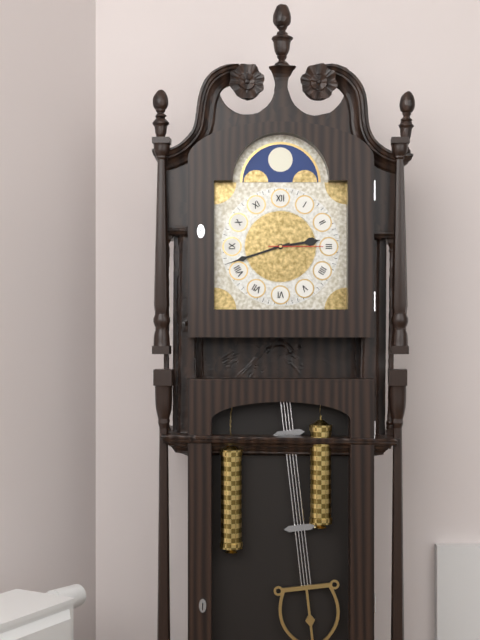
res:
2.42.15
